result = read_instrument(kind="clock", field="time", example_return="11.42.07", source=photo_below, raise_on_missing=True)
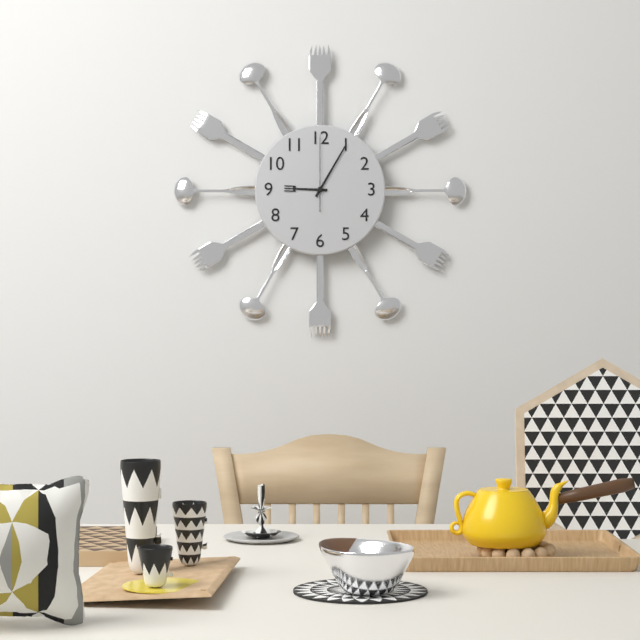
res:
9.05.00
